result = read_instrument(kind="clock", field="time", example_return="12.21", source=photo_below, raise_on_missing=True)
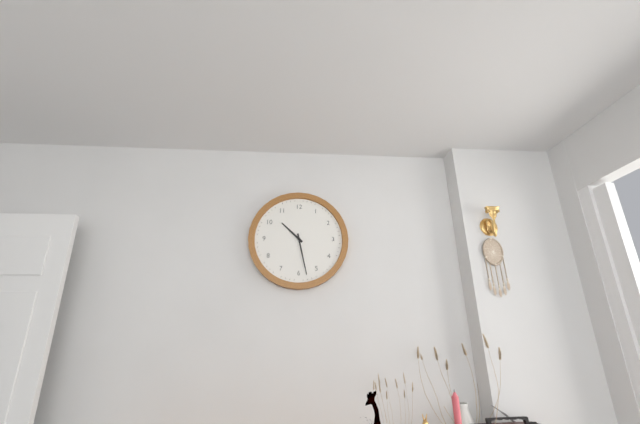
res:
10.28
